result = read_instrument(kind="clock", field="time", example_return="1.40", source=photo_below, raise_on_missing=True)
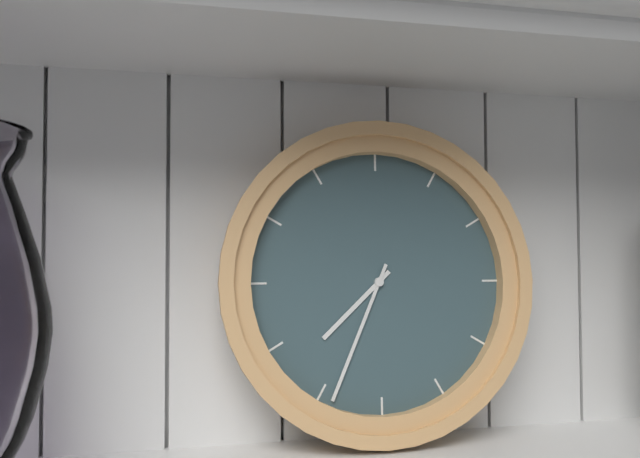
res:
7.34
